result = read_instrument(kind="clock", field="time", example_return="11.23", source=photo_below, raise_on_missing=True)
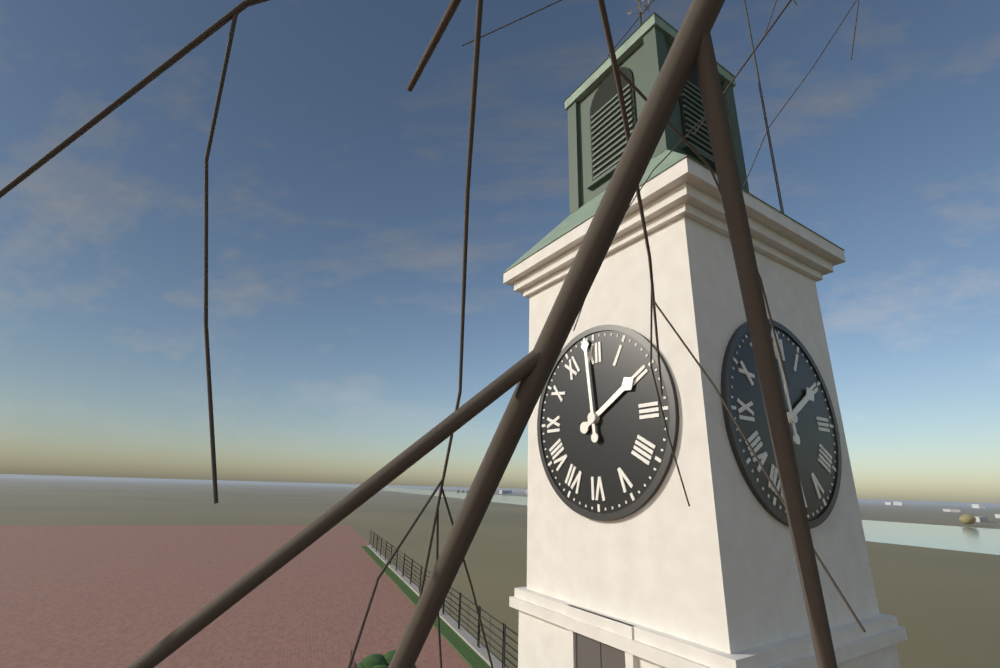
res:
1.59
